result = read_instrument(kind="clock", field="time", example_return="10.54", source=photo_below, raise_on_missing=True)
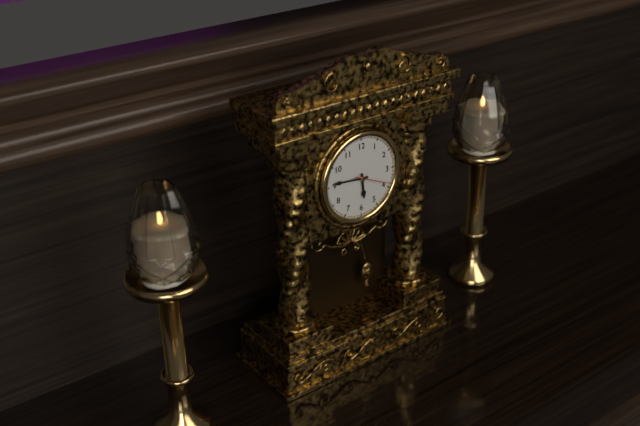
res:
5.46
